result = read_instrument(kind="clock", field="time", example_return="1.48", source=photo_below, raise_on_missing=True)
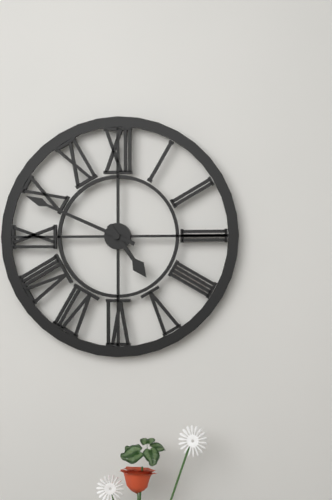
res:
4.49
